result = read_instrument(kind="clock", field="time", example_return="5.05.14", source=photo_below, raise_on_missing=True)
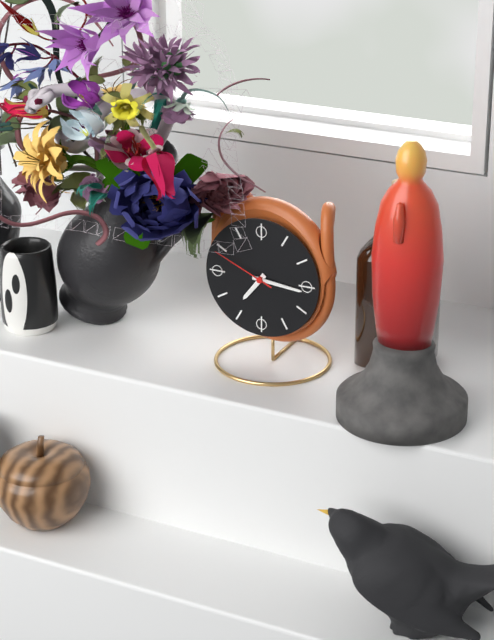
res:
7.16.49
